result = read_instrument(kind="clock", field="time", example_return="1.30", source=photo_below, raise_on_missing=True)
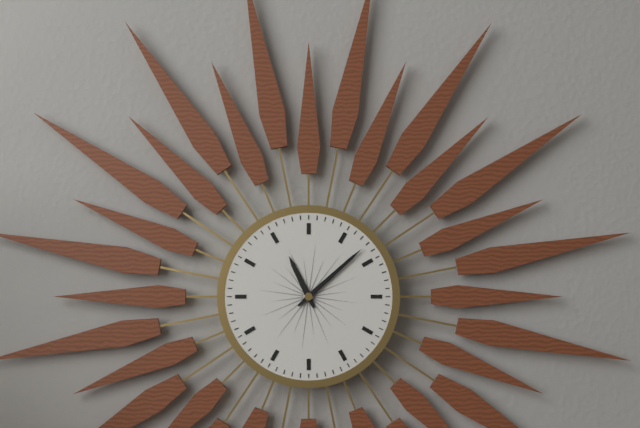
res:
11.08
